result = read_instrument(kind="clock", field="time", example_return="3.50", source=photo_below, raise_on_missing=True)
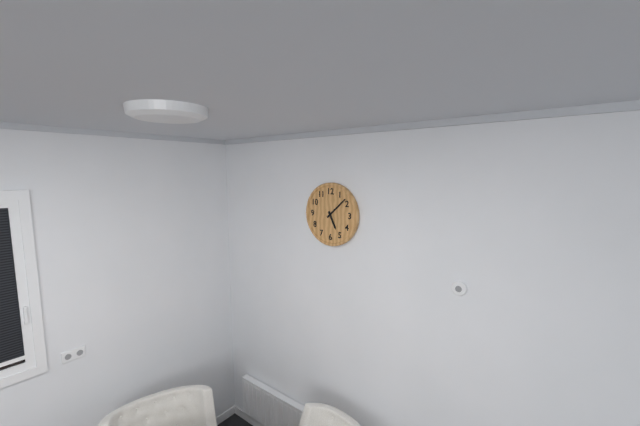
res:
5.08
